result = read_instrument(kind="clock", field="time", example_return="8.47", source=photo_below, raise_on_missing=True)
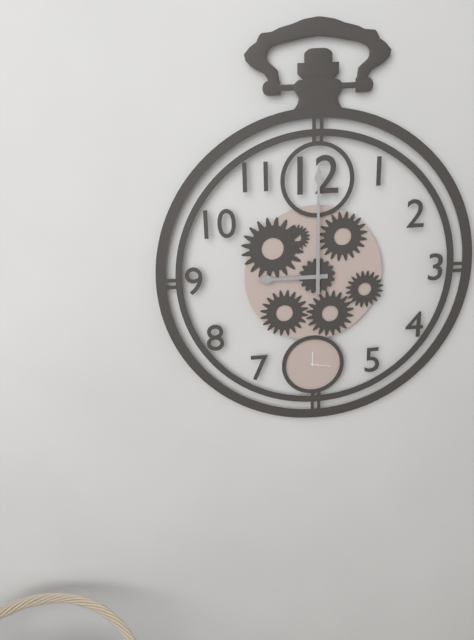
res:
9.00
